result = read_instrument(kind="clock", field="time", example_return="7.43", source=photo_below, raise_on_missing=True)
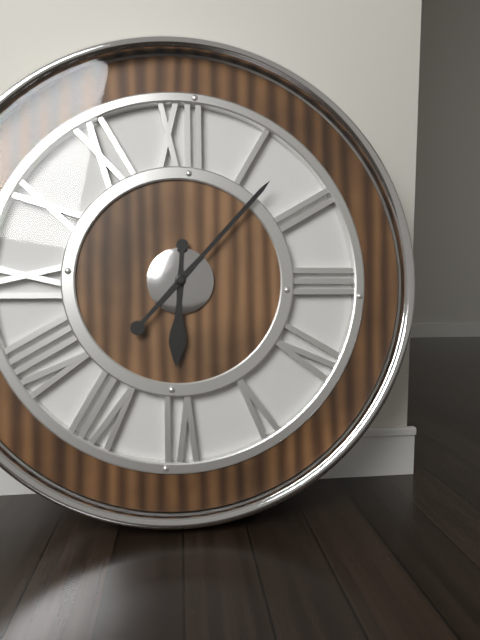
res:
6.07
